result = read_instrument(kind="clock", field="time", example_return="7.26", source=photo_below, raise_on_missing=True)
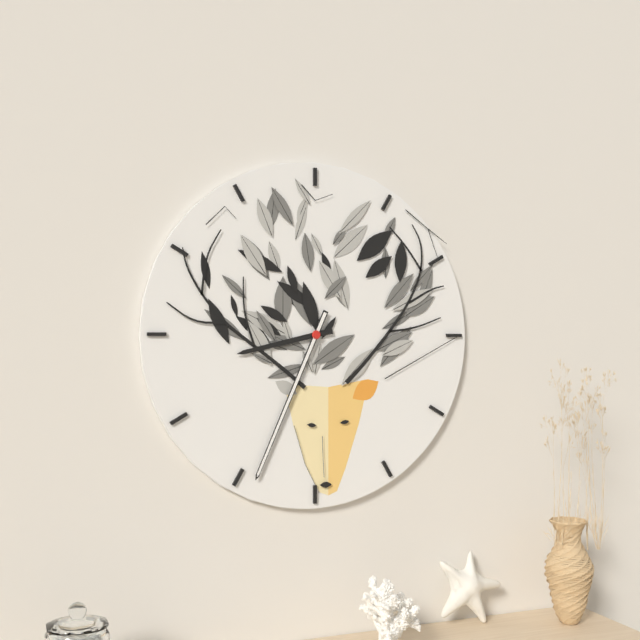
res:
8.34
